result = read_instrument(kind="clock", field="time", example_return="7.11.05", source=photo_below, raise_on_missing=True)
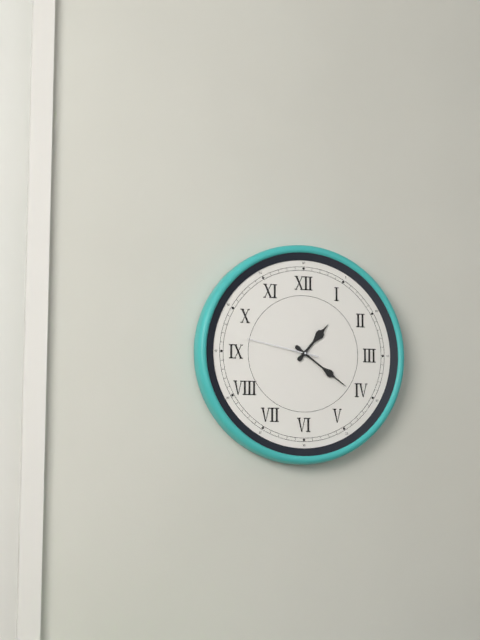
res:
1.21.47
